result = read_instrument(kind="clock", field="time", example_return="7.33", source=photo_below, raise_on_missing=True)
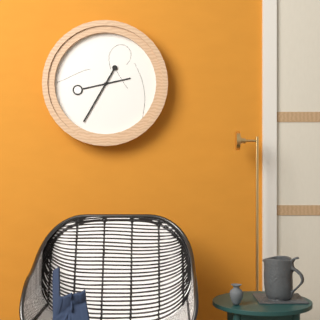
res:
2.35
